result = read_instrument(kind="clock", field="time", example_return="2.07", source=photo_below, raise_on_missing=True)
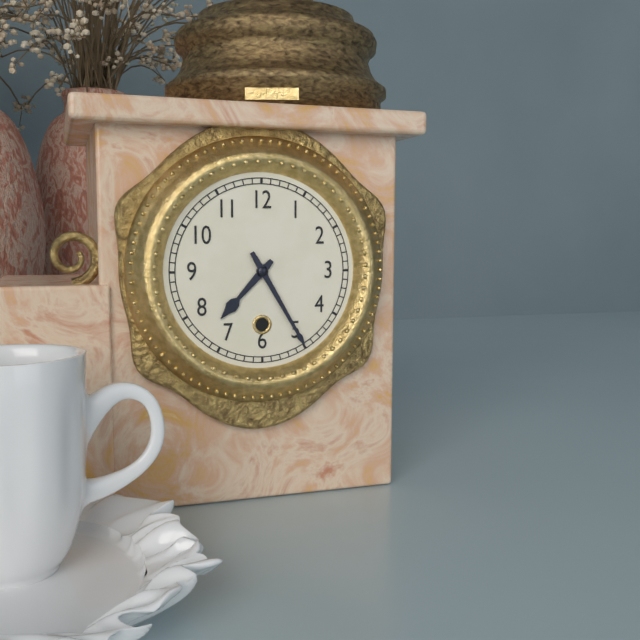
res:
7.25
